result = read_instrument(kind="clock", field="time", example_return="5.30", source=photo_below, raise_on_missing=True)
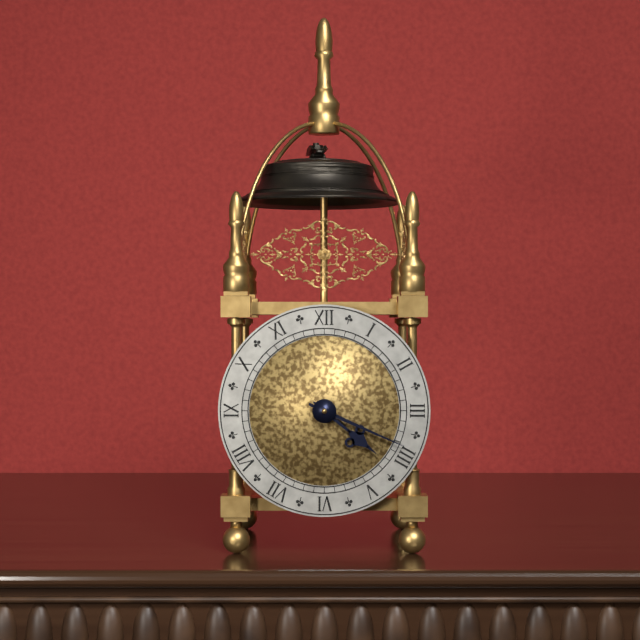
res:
4.19
